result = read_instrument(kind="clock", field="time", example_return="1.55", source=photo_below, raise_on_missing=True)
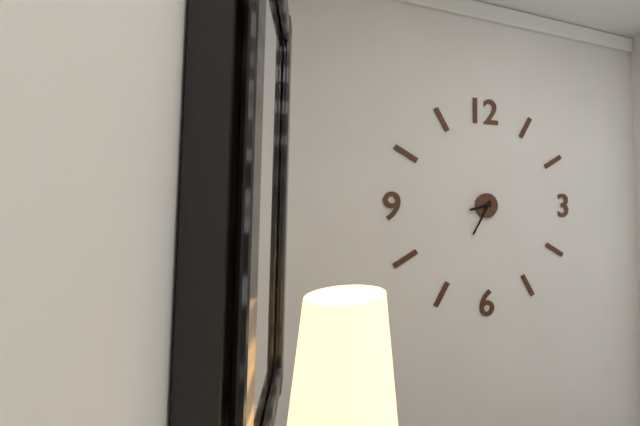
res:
8.35
